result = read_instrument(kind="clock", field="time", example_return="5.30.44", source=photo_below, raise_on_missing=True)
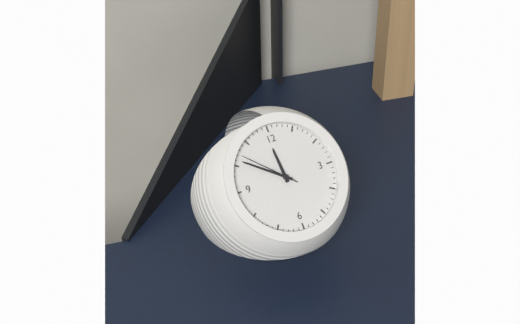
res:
11.51.52
